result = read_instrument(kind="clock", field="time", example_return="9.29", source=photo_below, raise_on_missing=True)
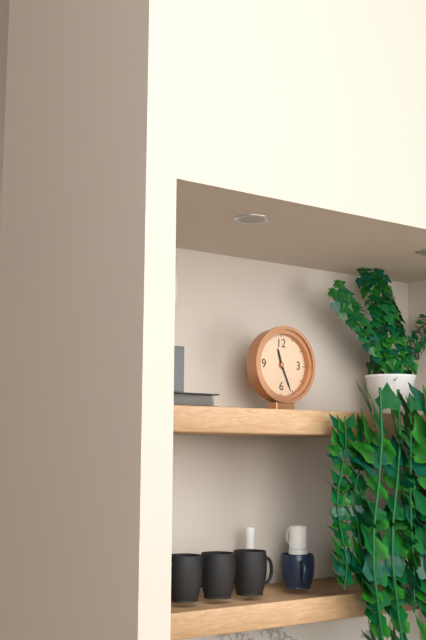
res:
11.26
